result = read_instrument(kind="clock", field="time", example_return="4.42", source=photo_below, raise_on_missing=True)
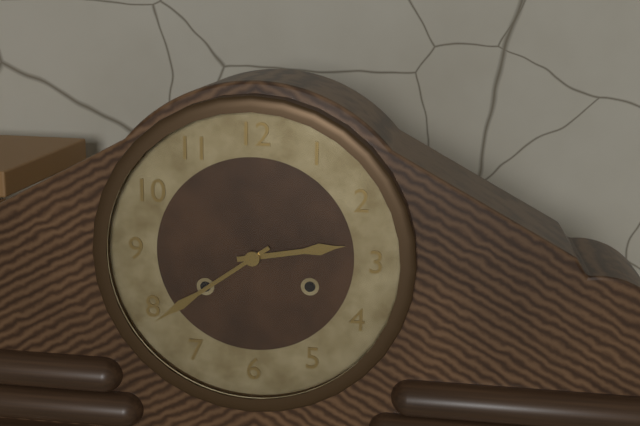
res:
2.39
